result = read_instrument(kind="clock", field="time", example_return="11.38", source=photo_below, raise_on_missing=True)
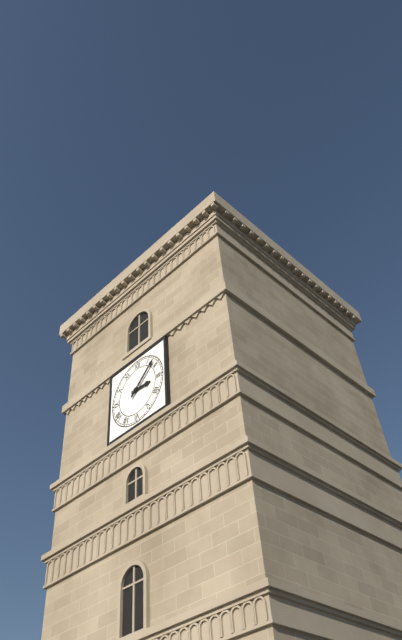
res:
3.08
